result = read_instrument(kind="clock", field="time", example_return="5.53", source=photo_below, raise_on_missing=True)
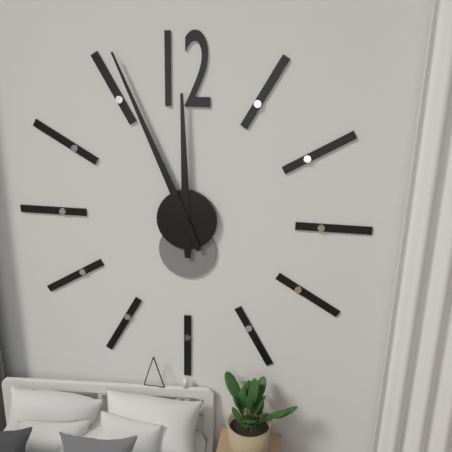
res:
11.56
